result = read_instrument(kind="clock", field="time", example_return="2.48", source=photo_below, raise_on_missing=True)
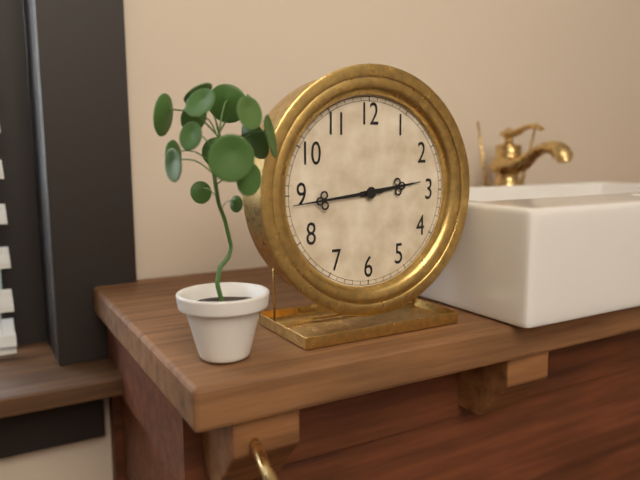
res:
2.44
